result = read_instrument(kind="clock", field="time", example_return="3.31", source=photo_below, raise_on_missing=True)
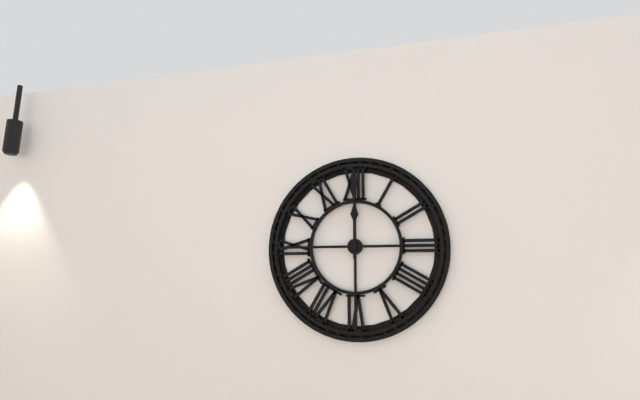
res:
12.00
